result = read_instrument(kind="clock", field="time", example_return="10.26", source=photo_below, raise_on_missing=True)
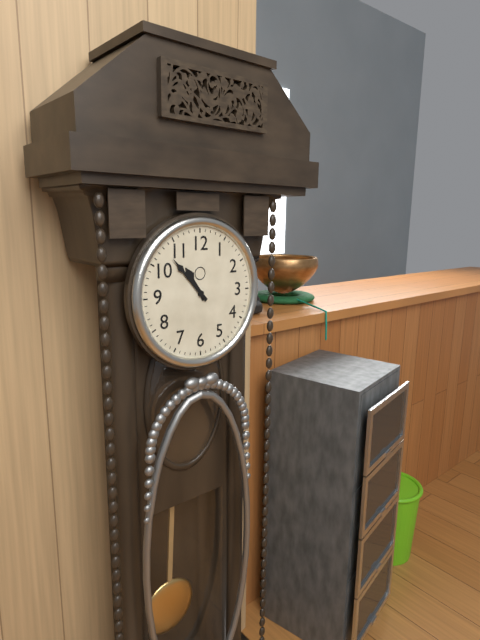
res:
10.53
